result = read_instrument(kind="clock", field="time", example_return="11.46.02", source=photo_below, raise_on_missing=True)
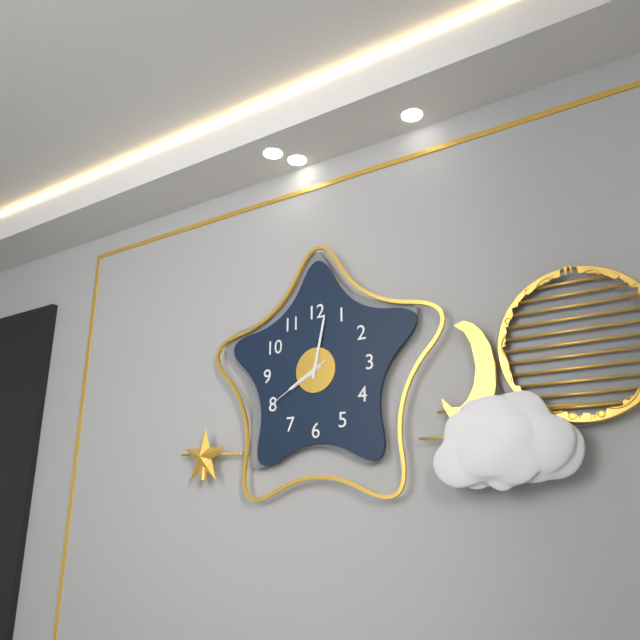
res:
8.02.40
